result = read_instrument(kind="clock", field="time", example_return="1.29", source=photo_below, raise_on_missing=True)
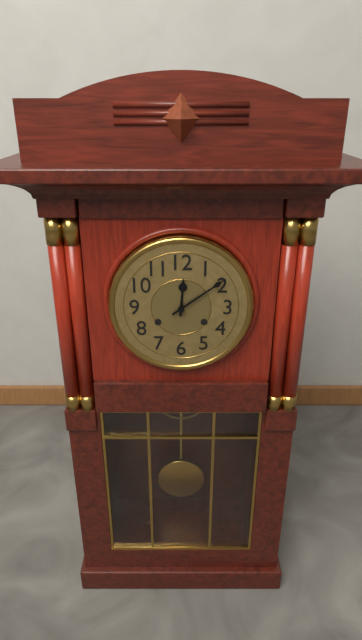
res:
12.09
